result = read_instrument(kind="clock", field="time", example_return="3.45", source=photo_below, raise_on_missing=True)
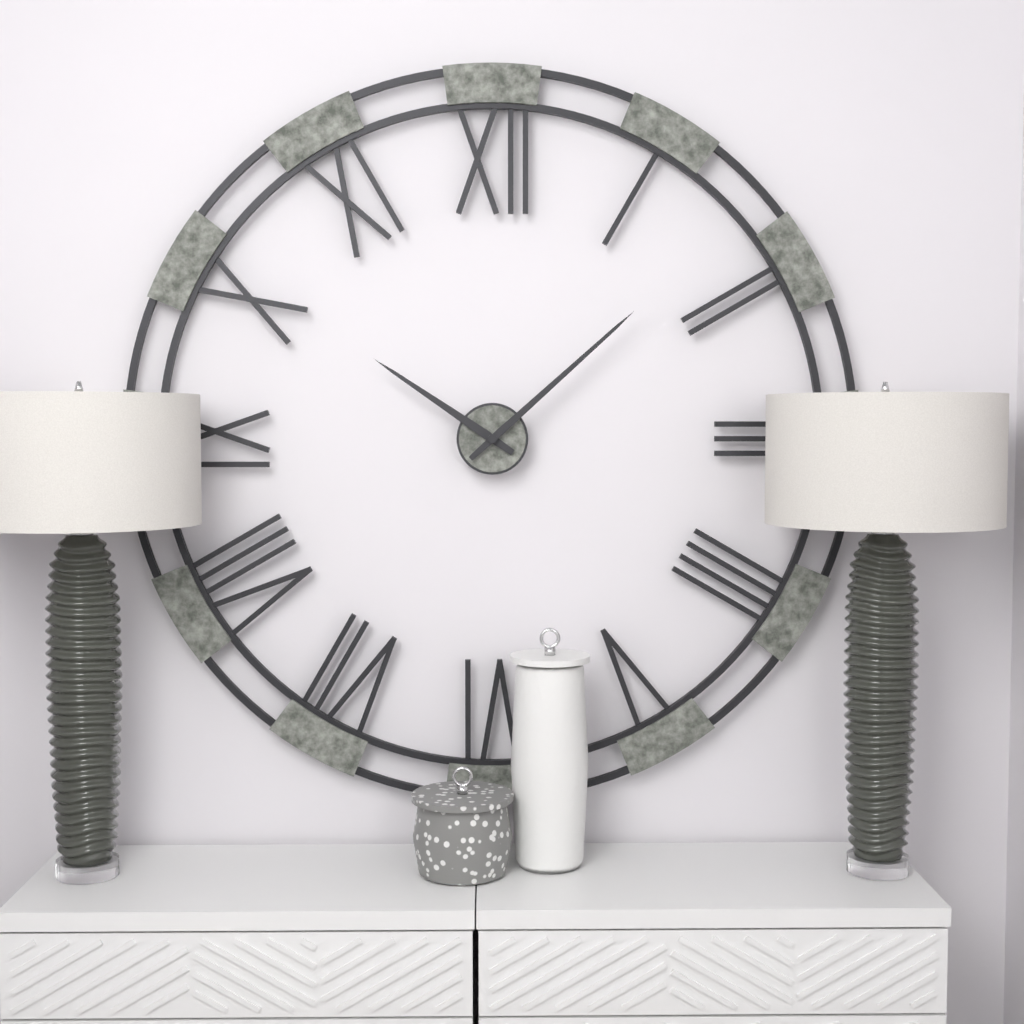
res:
10.08
